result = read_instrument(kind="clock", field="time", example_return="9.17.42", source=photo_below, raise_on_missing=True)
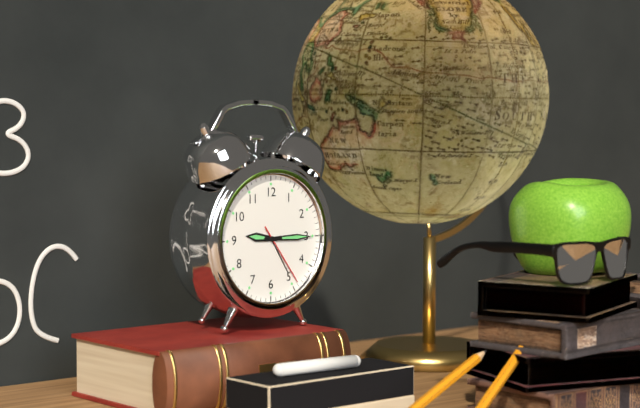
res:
9.15.24
